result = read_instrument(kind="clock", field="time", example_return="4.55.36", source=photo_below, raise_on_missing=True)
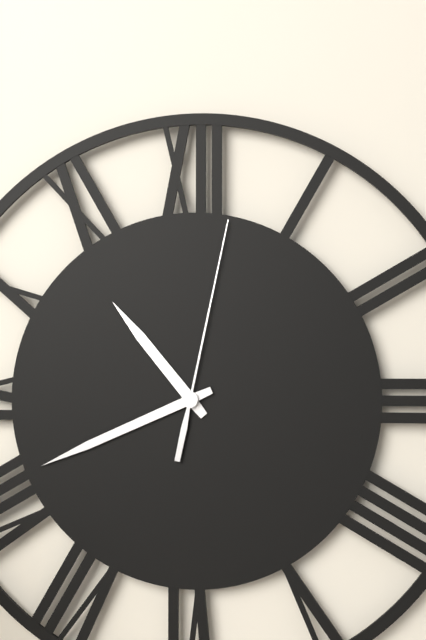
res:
10.41.02
